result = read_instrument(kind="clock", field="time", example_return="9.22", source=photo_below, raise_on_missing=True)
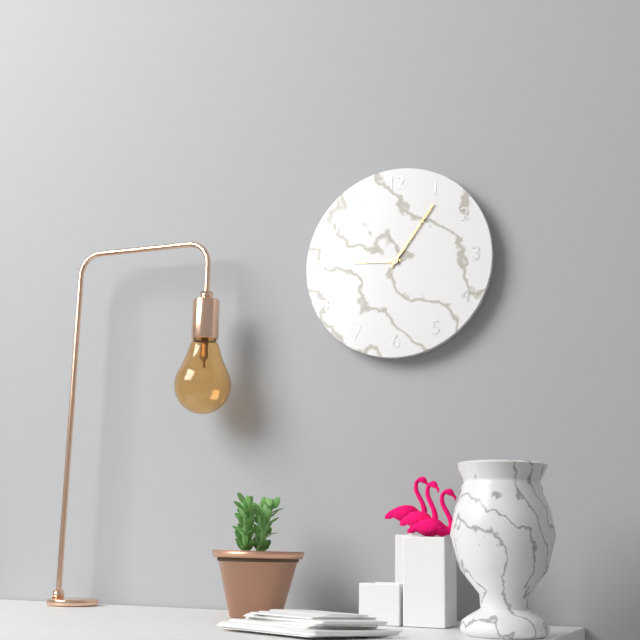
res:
9.06
